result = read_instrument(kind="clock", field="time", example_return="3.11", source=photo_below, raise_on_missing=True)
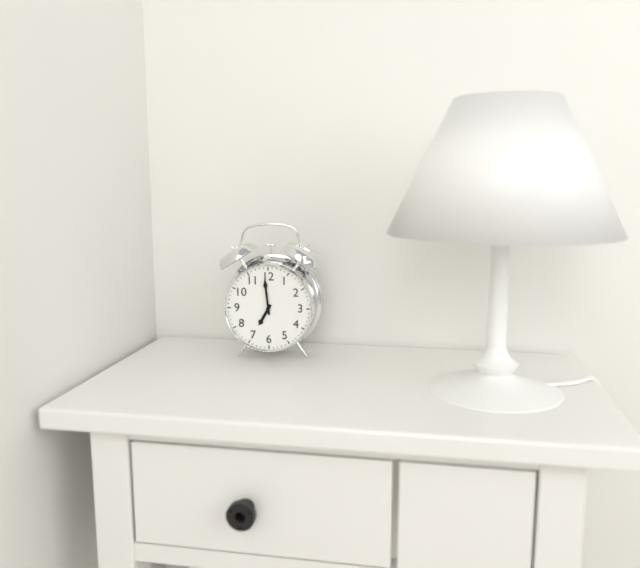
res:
6.59
